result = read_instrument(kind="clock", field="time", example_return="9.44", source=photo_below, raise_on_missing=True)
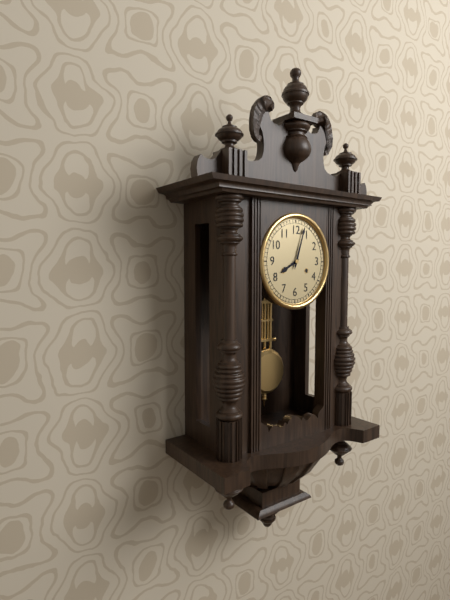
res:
8.03
